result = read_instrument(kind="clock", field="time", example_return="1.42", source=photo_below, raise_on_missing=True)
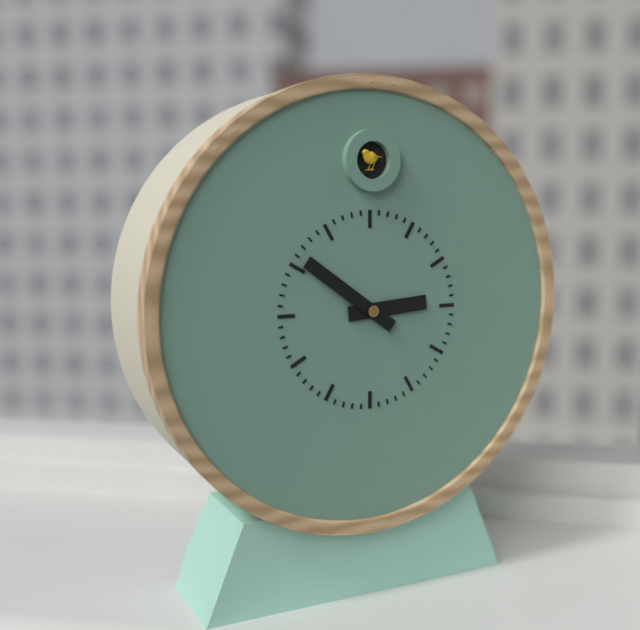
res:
2.51
